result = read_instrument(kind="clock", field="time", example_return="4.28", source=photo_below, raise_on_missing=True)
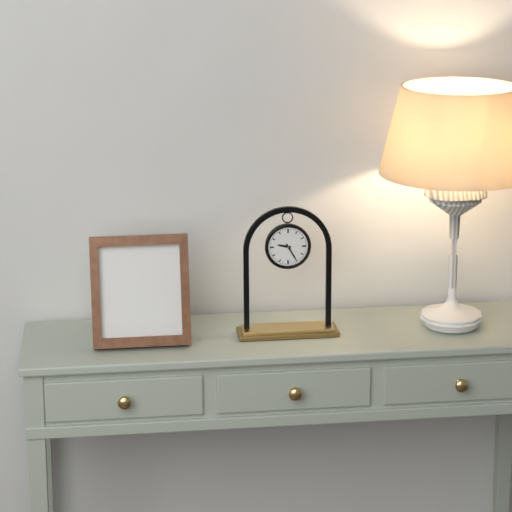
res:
9.25
